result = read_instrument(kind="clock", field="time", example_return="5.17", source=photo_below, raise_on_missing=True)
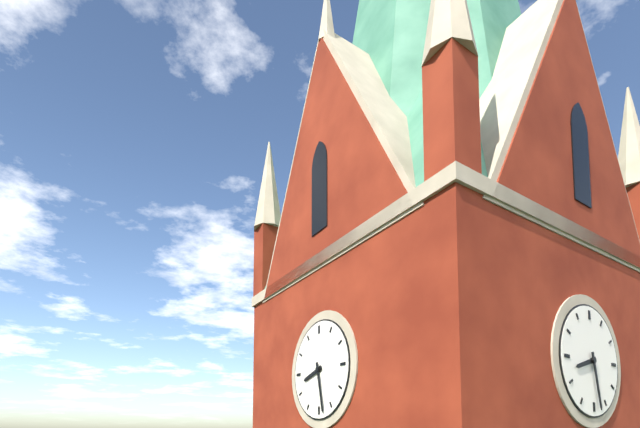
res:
8.28
